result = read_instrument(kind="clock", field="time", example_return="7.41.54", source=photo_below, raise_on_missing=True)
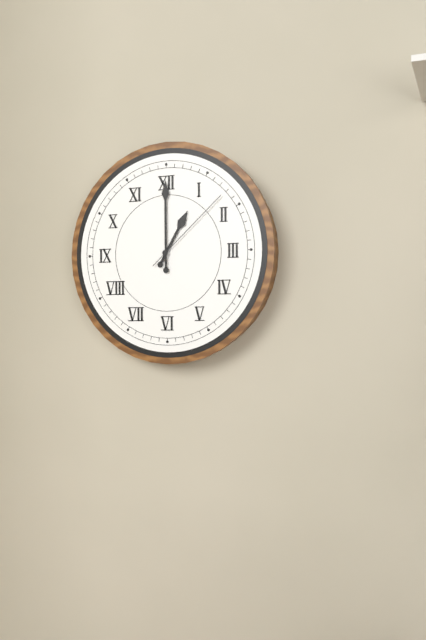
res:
1.00.08
